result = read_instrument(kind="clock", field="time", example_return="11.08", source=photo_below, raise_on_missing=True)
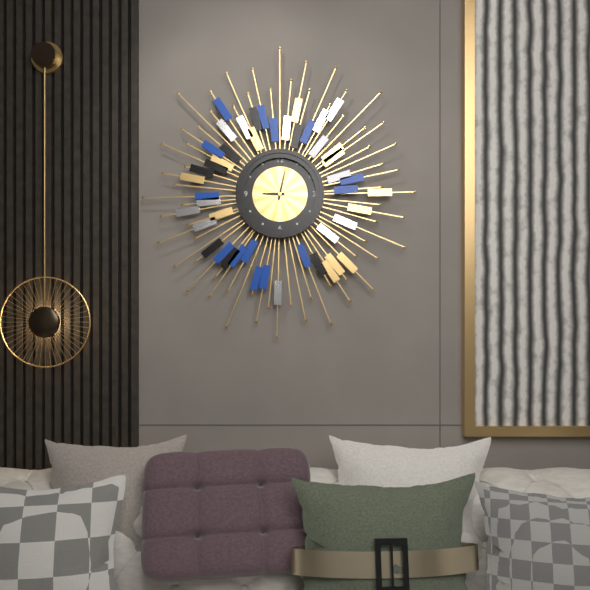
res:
9.02
